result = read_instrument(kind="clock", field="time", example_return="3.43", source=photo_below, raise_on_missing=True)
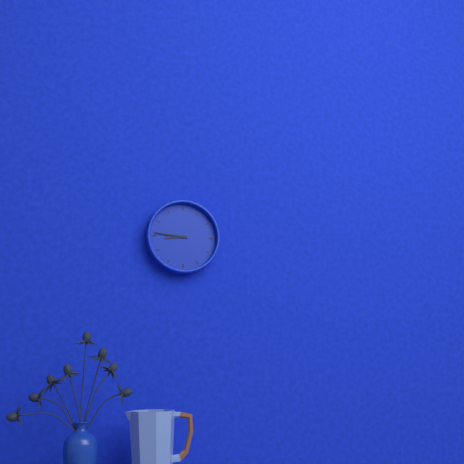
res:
8.46
